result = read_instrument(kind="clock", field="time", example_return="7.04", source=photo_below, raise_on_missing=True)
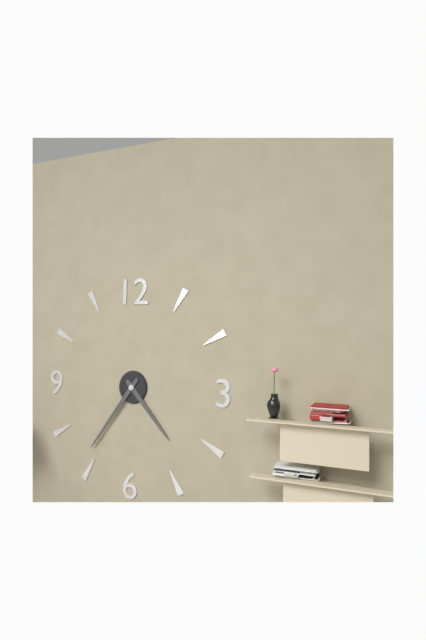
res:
4.36
